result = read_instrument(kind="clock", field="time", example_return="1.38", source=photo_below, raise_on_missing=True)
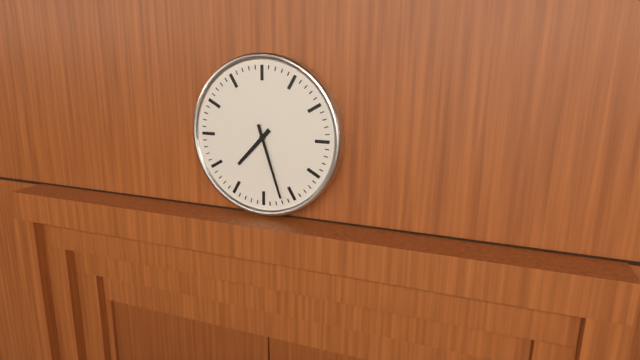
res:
7.27
